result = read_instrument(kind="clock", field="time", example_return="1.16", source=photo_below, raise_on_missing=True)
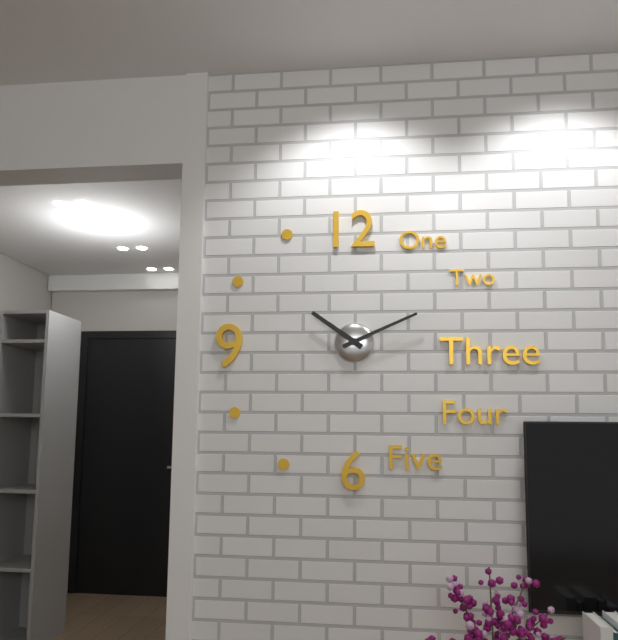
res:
10.11
